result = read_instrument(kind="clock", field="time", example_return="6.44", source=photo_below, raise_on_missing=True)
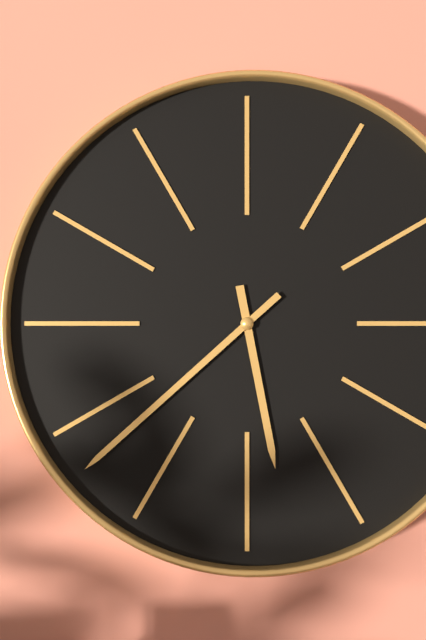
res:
5.38
